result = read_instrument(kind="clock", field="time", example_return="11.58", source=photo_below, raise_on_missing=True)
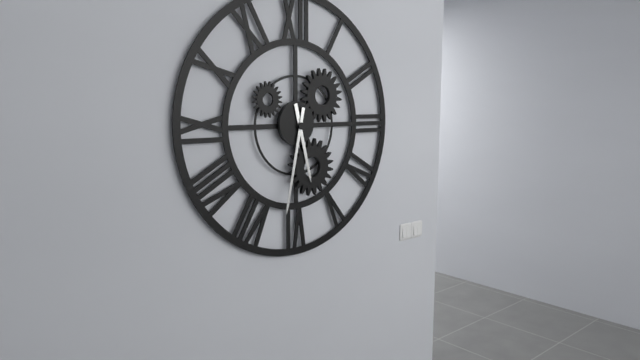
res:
5.32
